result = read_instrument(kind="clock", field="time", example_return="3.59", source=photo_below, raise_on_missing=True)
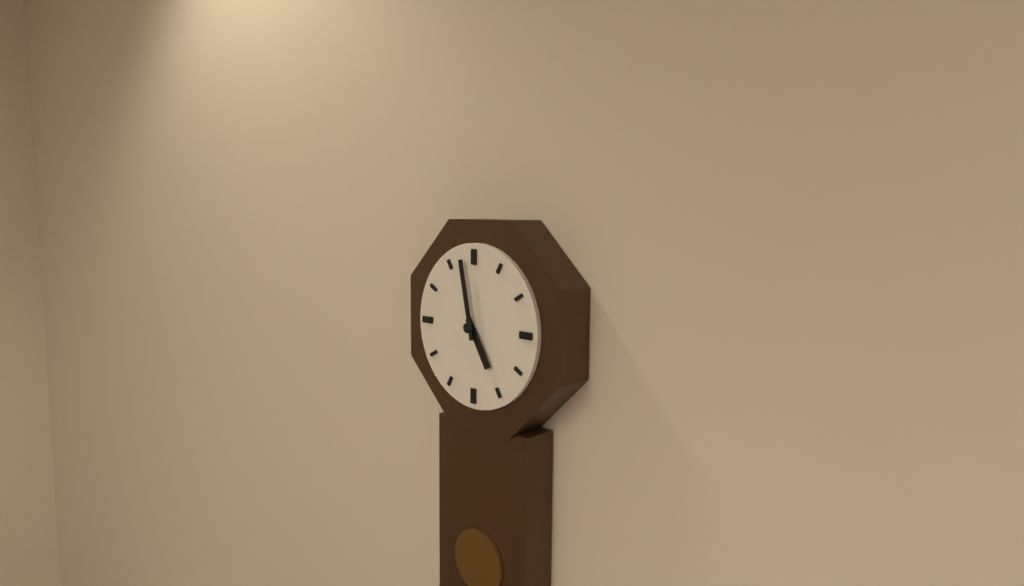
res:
4.58
